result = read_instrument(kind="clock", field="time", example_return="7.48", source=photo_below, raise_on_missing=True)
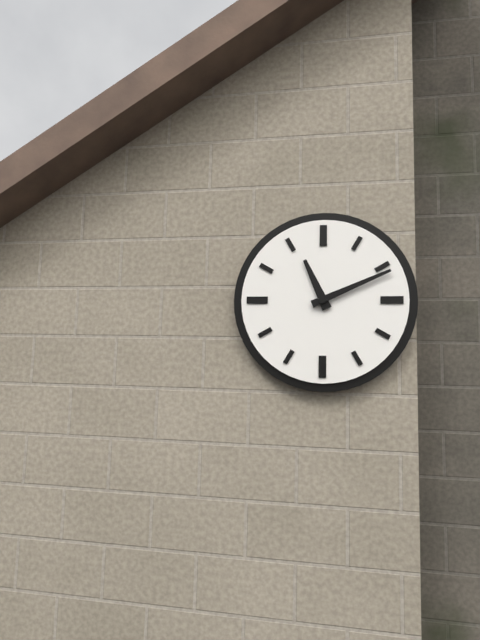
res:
11.11
